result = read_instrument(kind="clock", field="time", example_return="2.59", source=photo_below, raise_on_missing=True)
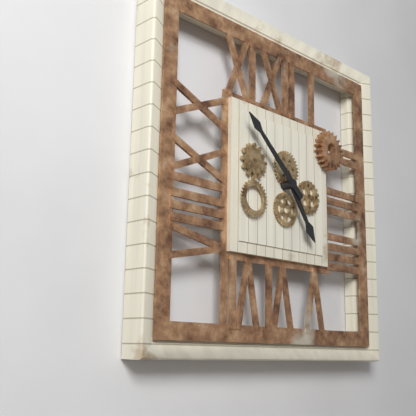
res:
4.52
